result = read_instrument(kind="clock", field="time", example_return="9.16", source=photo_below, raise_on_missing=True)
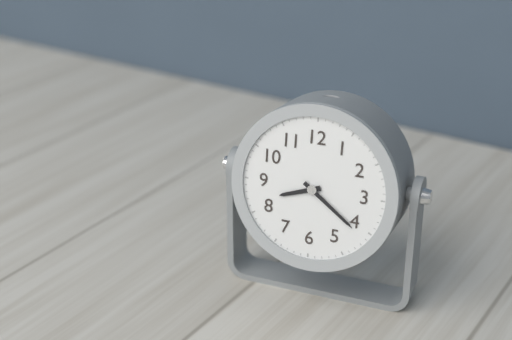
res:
8.21
